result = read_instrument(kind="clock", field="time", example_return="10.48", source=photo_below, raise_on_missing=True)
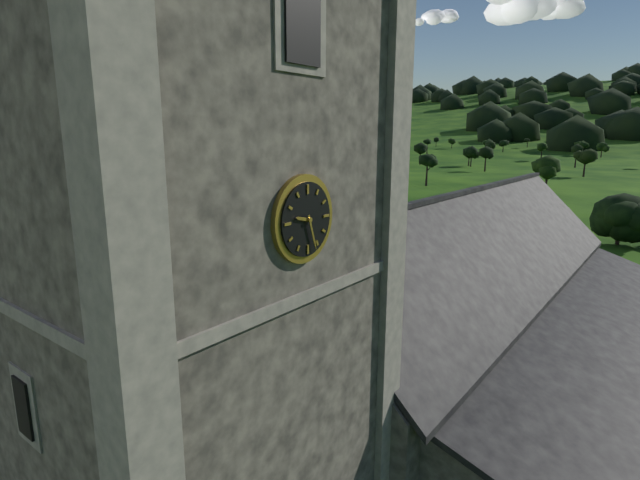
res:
9.27
